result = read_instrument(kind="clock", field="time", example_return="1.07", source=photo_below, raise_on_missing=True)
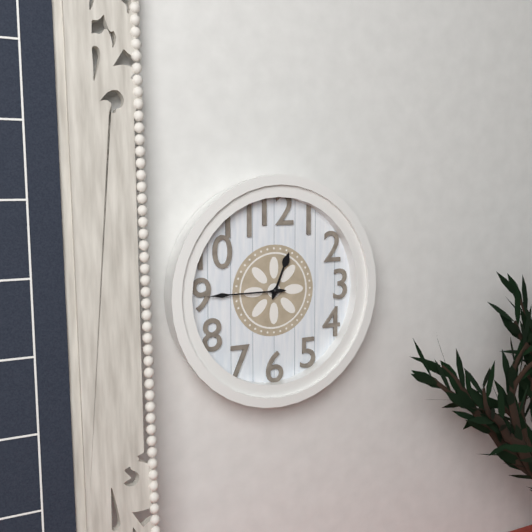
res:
12.45
